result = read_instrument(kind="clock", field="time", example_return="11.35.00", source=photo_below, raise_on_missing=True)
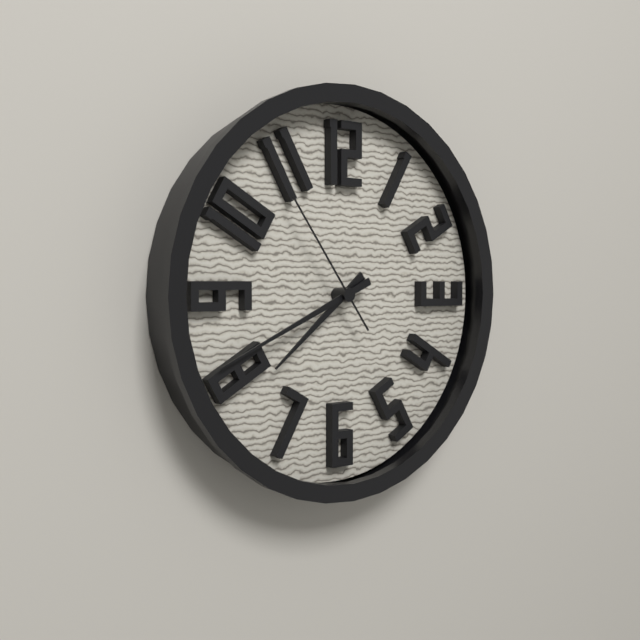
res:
7.41.54
